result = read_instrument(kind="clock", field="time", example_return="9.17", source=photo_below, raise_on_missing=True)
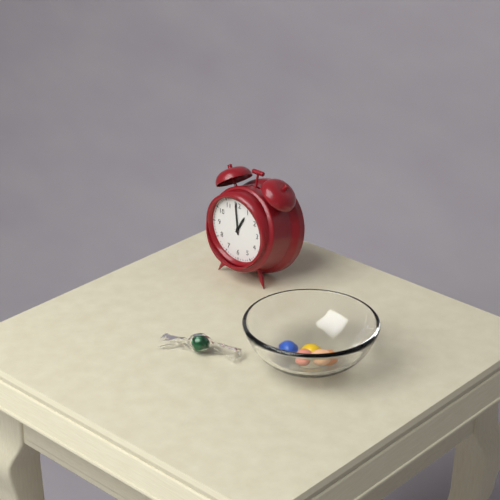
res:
12.59
